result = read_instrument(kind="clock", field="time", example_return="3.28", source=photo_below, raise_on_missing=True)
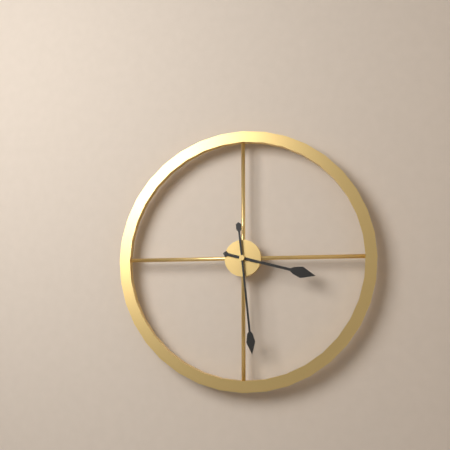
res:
3.29
